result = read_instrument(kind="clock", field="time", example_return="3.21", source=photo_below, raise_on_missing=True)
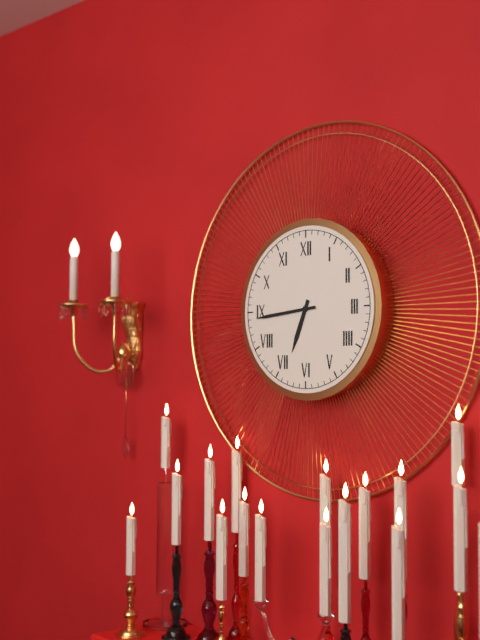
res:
6.44
